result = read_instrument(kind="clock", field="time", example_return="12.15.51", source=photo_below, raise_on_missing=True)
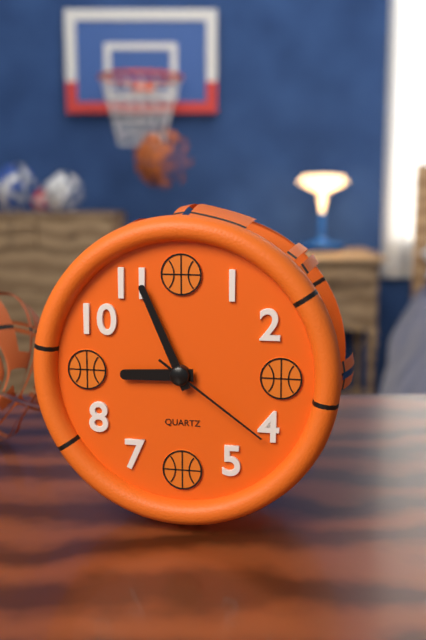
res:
8.56.21
